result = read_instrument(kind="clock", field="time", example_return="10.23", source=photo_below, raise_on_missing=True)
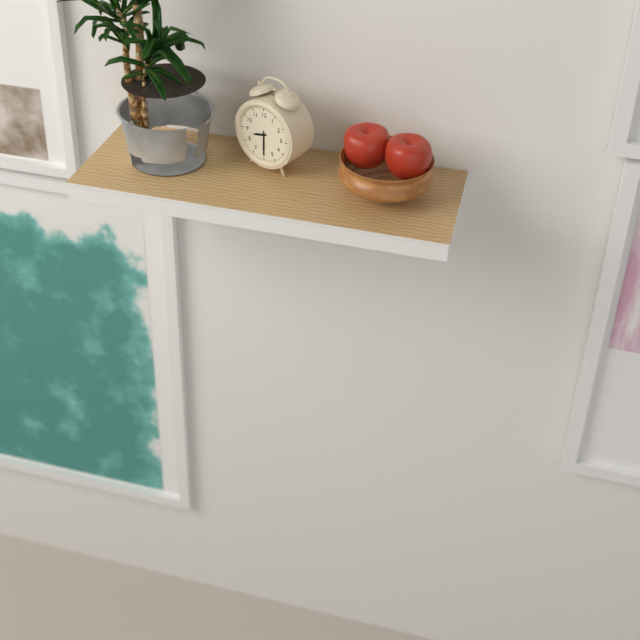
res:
8.30
